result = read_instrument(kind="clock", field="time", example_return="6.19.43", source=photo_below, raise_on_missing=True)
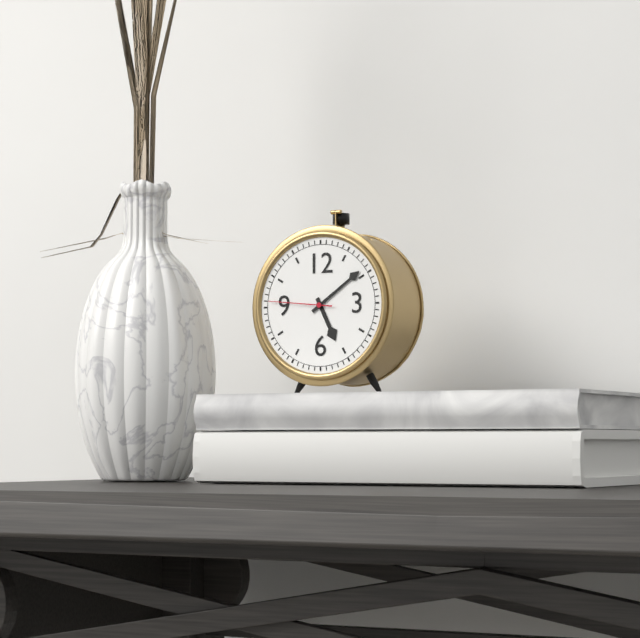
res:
5.09.46
